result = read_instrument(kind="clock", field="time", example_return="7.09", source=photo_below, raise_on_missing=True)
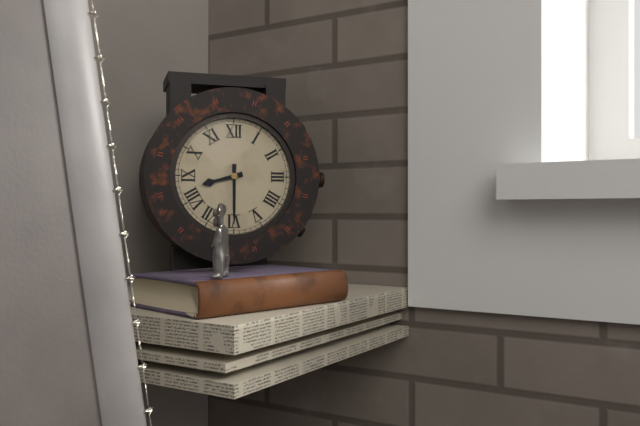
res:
8.30
